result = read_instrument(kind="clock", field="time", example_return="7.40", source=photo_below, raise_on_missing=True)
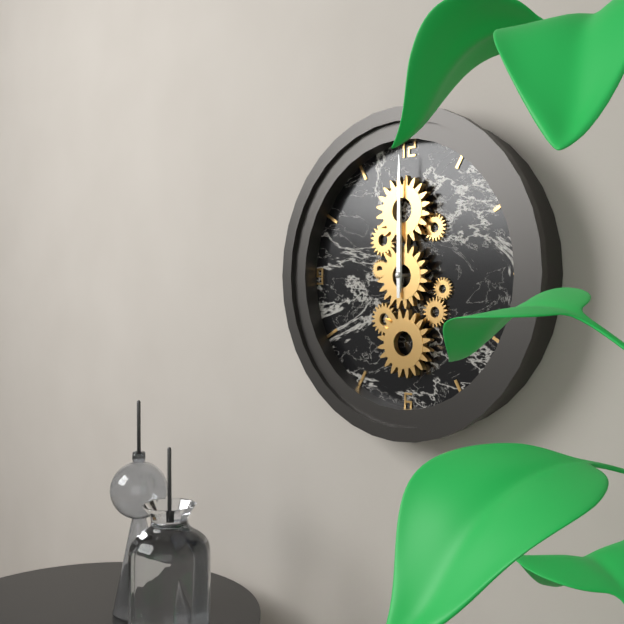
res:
12.00
